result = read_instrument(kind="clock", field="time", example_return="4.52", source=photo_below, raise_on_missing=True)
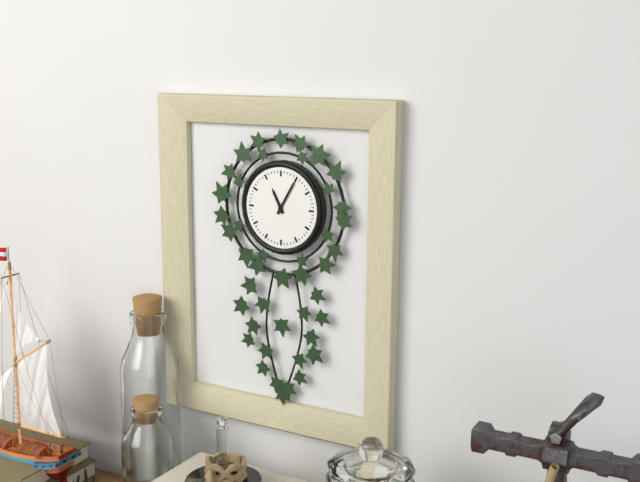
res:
11.05
